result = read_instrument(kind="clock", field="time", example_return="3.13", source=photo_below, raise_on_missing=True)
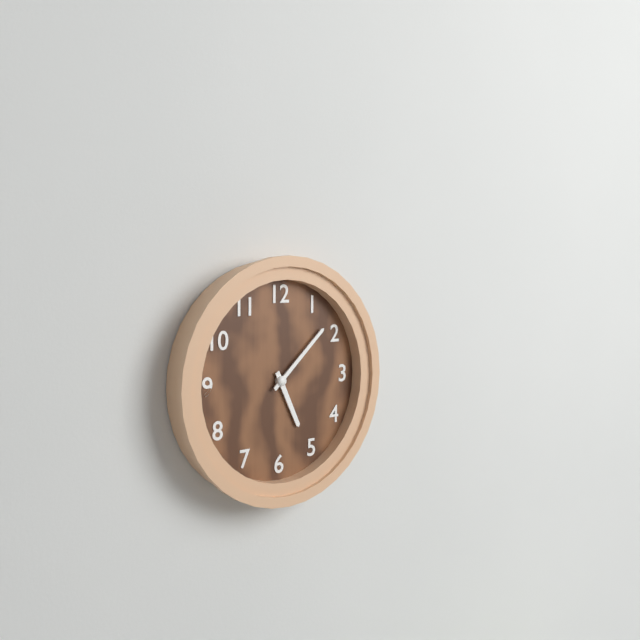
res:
5.08
